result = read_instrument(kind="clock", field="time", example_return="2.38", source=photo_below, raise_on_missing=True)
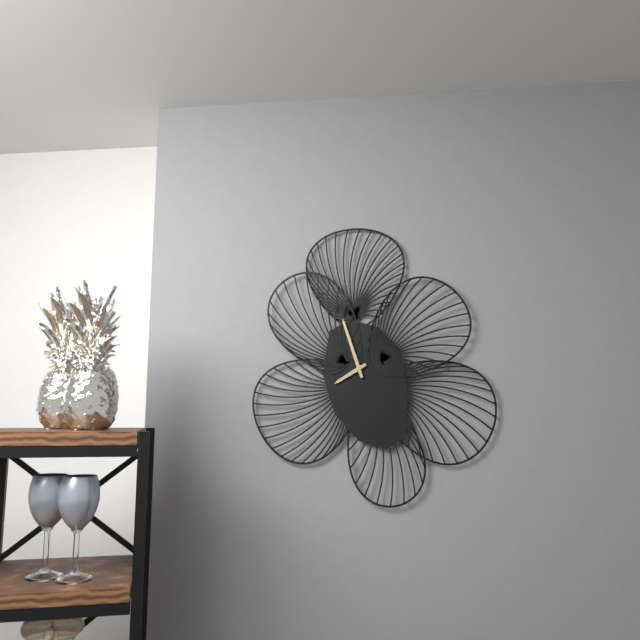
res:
7.57
